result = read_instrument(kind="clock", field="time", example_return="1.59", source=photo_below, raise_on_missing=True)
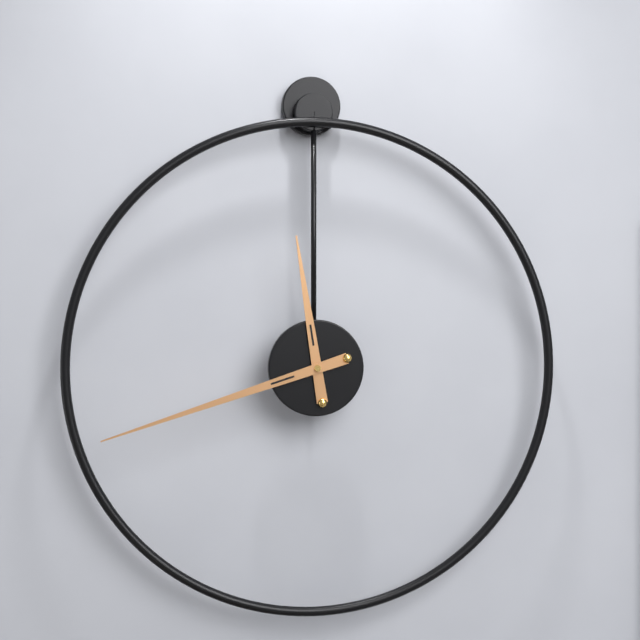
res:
11.42
